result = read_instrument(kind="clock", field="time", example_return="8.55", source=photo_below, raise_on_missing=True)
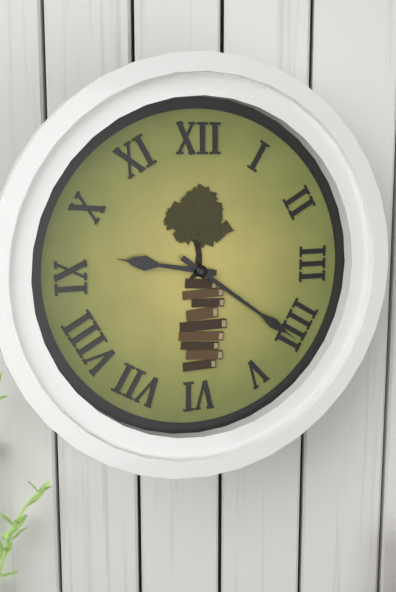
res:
9.21
